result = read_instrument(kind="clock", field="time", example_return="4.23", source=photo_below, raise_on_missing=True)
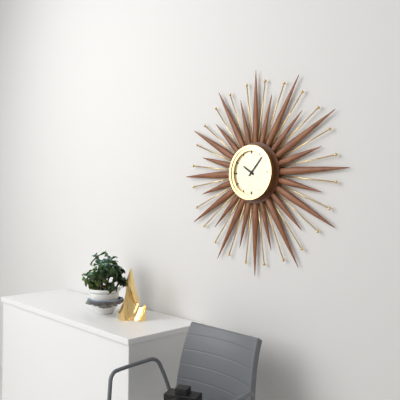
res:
10.07
